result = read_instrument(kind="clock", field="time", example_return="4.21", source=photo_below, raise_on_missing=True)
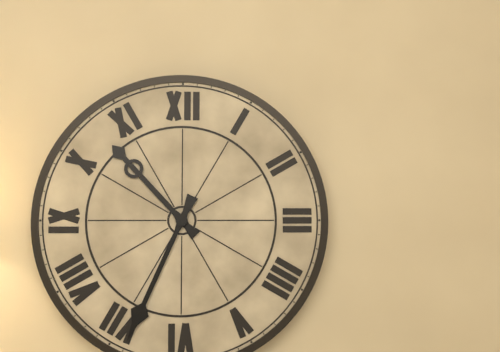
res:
10.34
